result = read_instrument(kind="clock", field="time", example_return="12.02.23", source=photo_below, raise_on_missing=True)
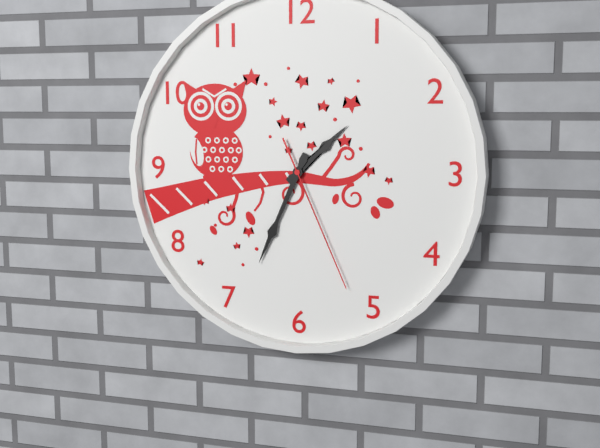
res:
1.34.26
